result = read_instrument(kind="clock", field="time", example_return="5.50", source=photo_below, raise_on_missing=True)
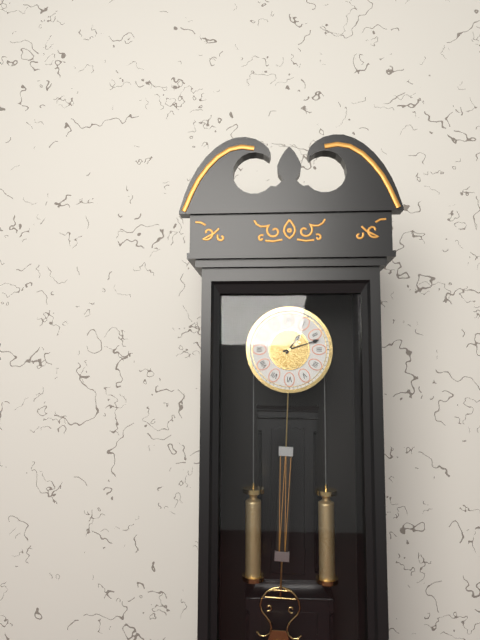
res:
1.12
